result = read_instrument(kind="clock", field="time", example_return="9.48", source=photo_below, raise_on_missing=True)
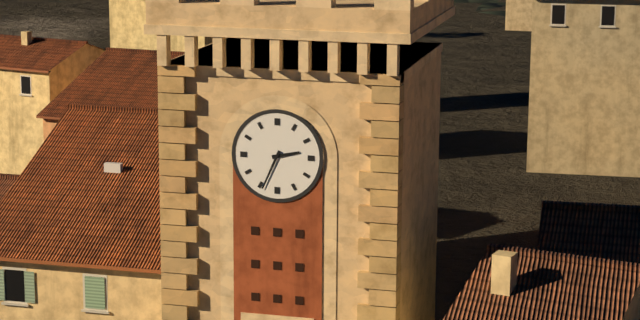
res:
2.34
